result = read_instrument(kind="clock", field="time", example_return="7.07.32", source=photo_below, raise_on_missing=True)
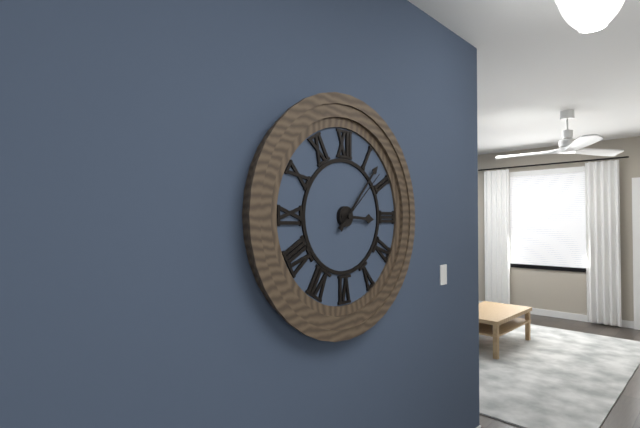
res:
3.07.08
